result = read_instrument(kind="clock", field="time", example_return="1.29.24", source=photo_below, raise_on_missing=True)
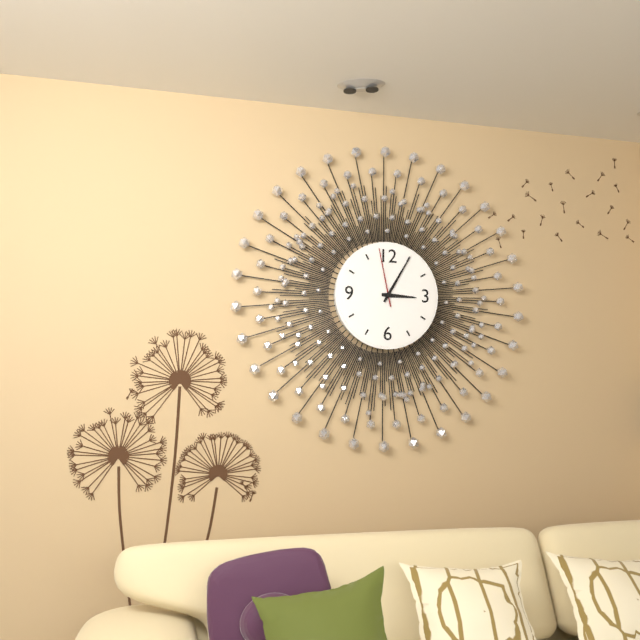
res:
3.05.58
